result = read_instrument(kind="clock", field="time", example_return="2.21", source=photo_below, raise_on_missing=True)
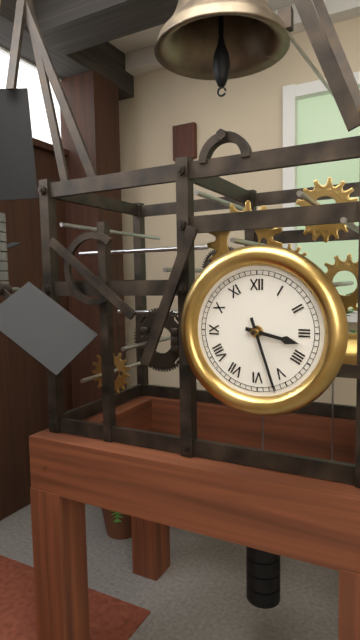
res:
3.27
